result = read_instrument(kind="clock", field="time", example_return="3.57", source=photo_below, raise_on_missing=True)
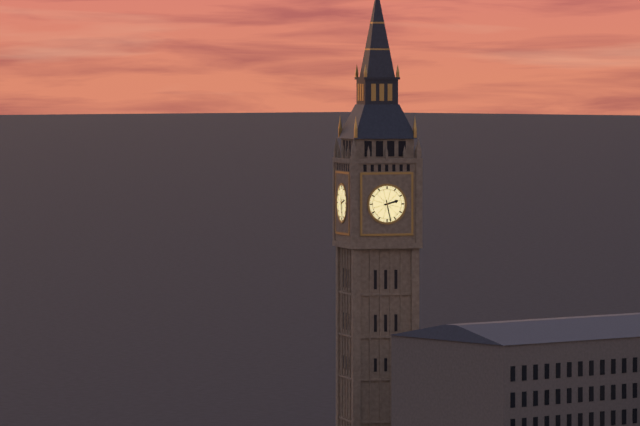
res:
2.28
